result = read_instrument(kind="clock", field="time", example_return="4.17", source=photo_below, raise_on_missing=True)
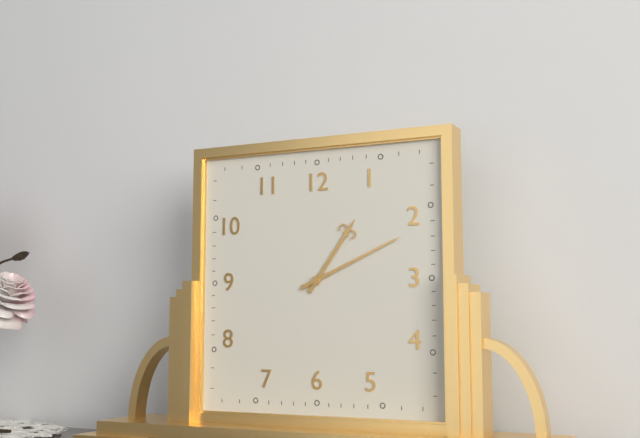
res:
1.11
